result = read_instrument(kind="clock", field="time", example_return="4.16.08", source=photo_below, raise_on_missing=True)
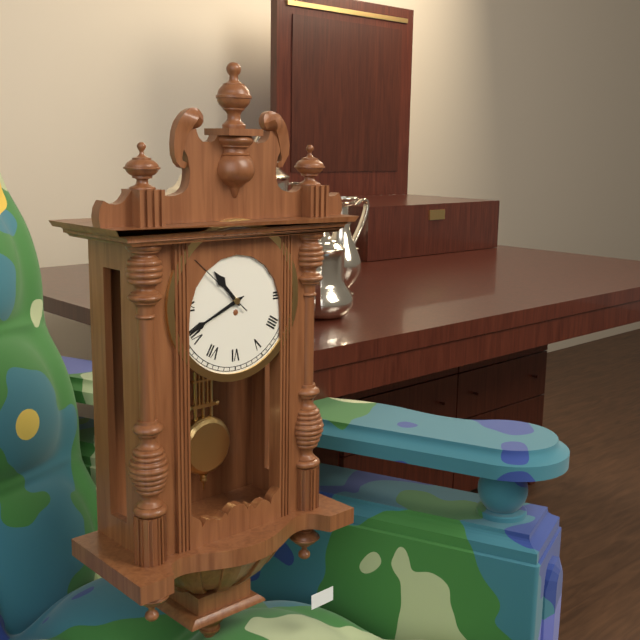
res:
10.41.52
